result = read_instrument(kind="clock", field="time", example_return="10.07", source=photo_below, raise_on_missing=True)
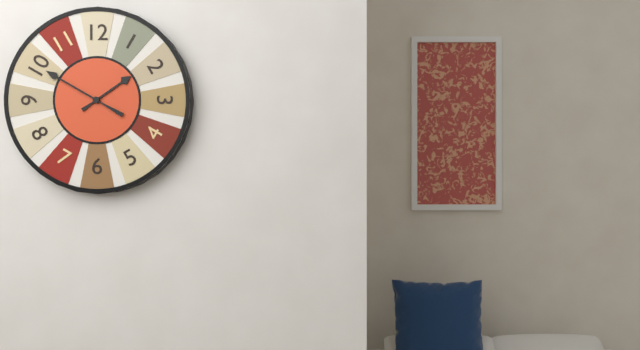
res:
1.50
